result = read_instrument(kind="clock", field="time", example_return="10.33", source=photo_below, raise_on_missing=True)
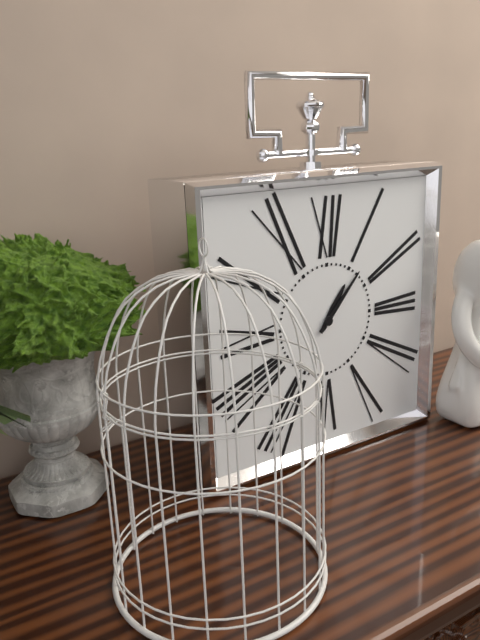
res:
1.07
